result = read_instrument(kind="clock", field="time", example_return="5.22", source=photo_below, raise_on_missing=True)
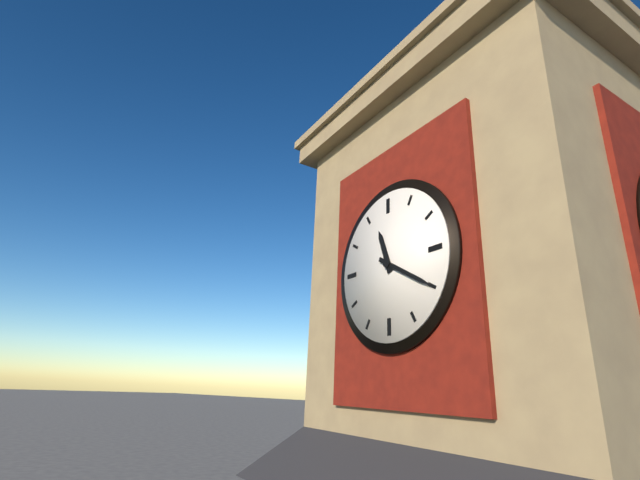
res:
11.20
